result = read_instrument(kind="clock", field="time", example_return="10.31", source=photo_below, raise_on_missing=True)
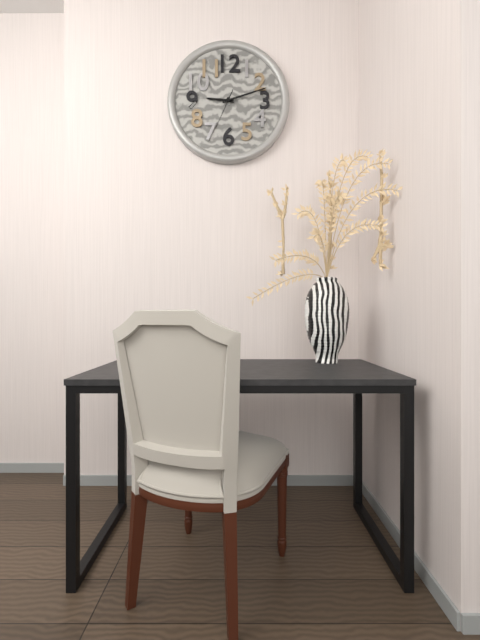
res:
9.12
